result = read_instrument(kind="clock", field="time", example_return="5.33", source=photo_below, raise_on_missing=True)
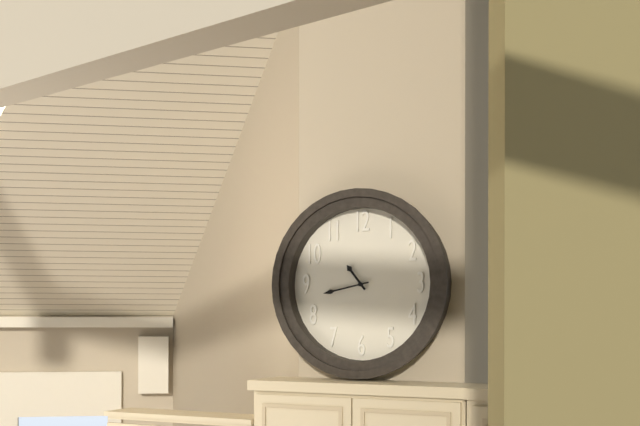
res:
10.43
